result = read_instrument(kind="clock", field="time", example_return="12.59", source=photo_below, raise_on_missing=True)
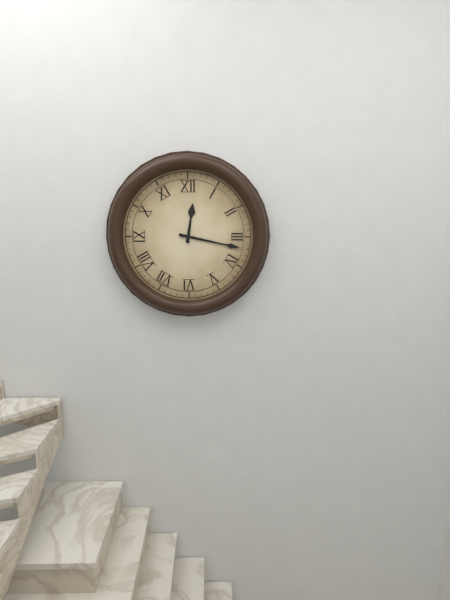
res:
12.17
